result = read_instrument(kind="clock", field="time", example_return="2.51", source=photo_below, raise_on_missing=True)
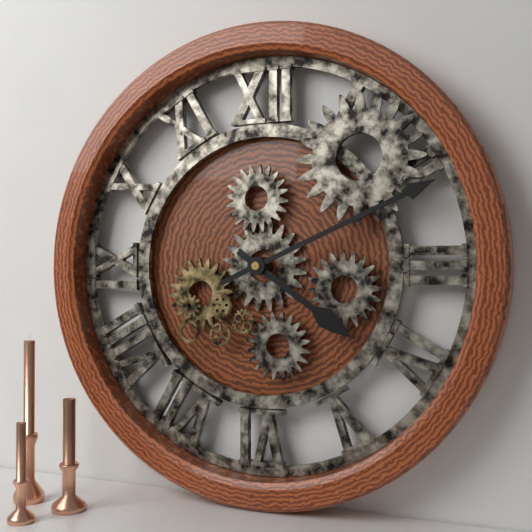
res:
4.11
